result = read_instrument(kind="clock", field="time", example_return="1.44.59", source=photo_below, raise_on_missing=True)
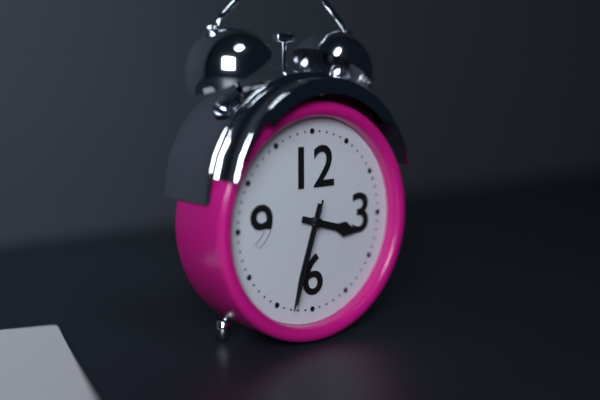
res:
3.33.33
